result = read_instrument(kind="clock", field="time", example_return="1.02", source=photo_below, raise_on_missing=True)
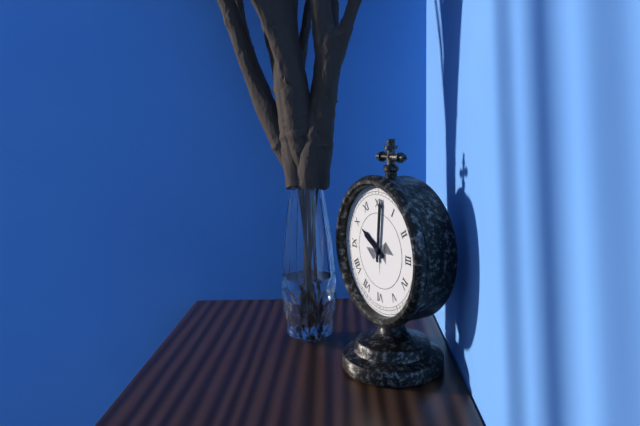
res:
10.01
